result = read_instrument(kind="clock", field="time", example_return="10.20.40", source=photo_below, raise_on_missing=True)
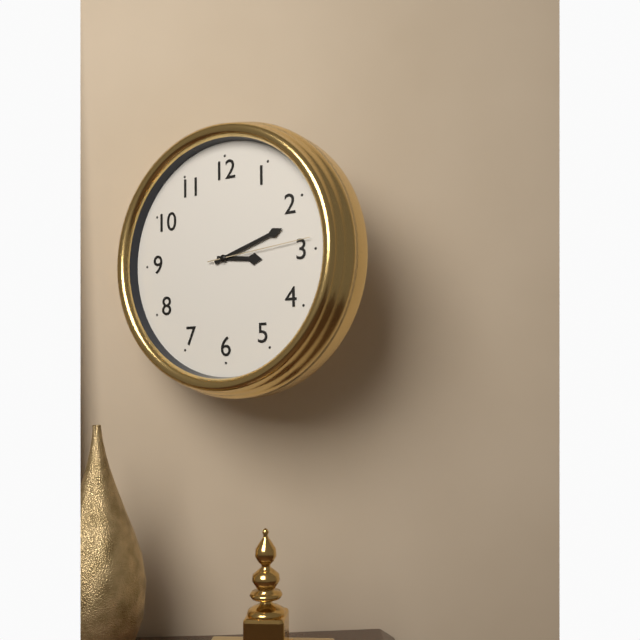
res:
3.12.14
